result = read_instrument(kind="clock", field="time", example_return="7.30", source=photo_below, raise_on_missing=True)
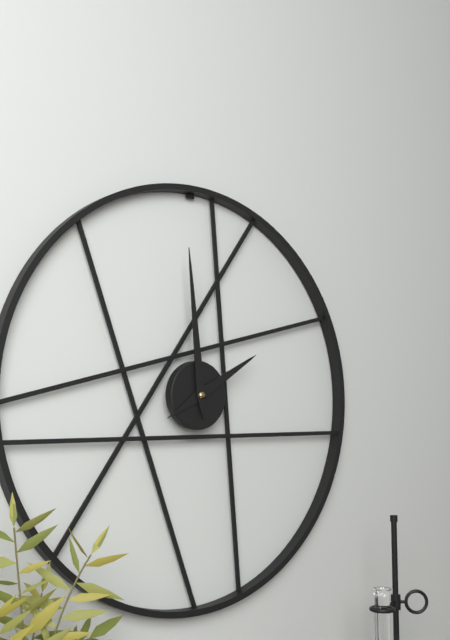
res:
1.59
